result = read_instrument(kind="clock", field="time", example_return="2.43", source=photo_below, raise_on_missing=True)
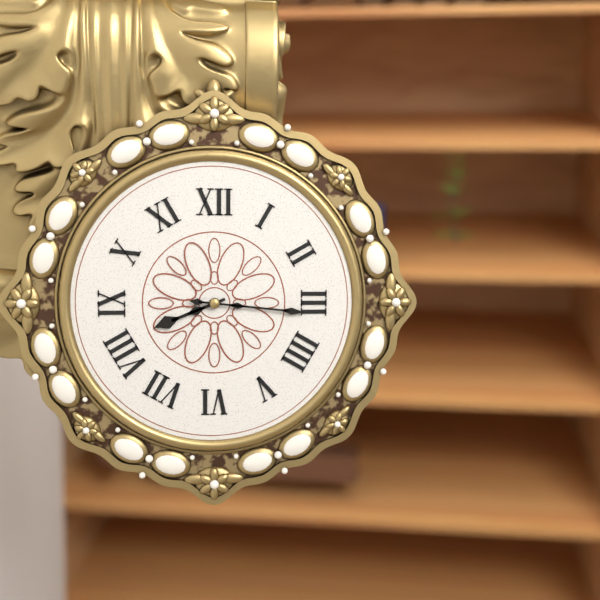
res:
8.16
